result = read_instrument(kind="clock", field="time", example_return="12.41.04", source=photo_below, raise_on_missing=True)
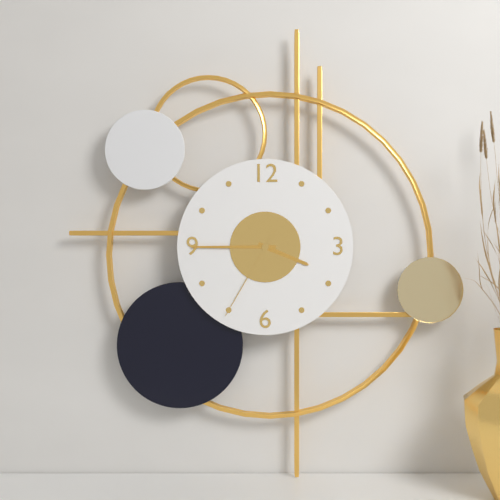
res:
3.45.35
